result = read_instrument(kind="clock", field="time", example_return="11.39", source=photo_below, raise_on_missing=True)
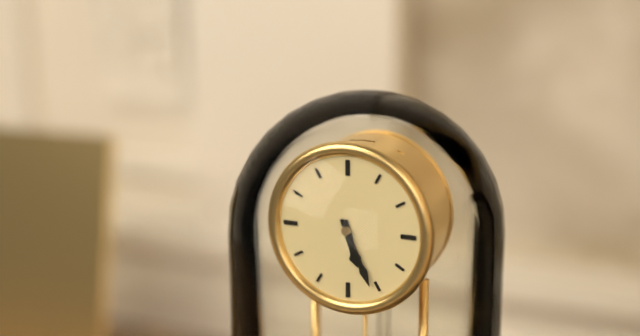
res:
5.26
